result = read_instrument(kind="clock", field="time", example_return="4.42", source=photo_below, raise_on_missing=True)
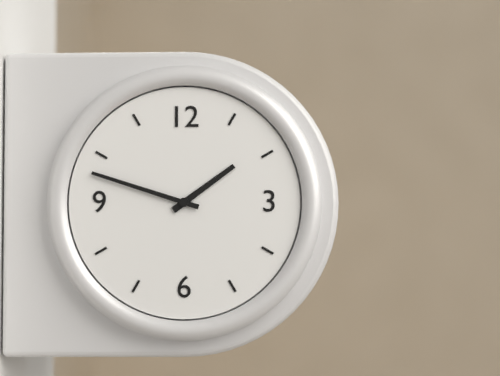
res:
1.48
